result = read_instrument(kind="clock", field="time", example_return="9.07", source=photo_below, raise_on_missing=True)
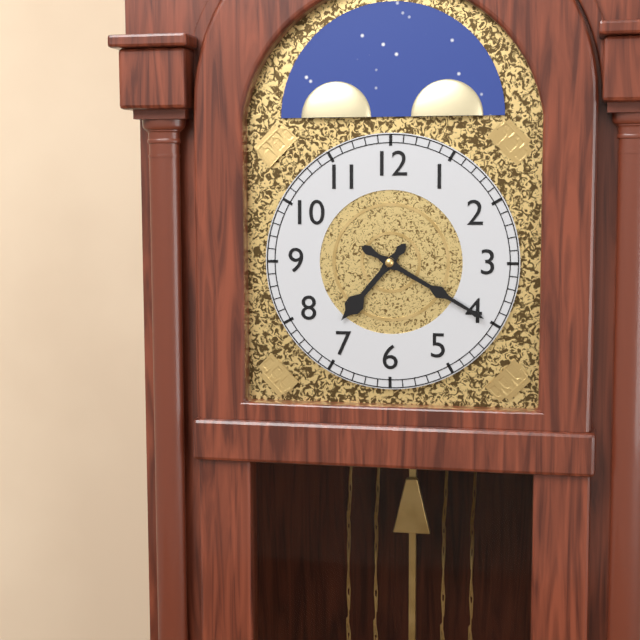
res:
7.20
